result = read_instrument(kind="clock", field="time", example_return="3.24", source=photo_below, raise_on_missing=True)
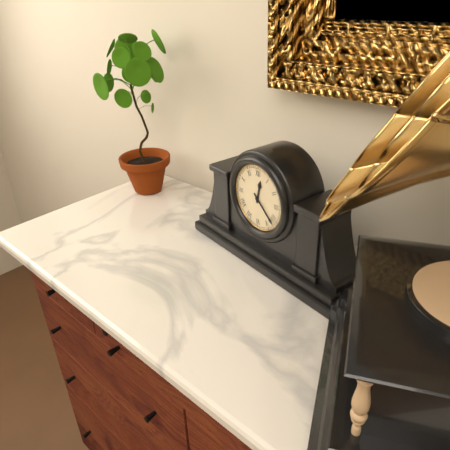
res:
12.22
